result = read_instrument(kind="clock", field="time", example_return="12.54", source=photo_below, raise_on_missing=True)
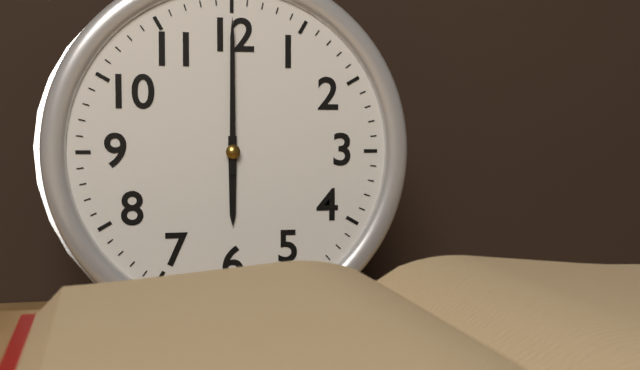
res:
6.00
